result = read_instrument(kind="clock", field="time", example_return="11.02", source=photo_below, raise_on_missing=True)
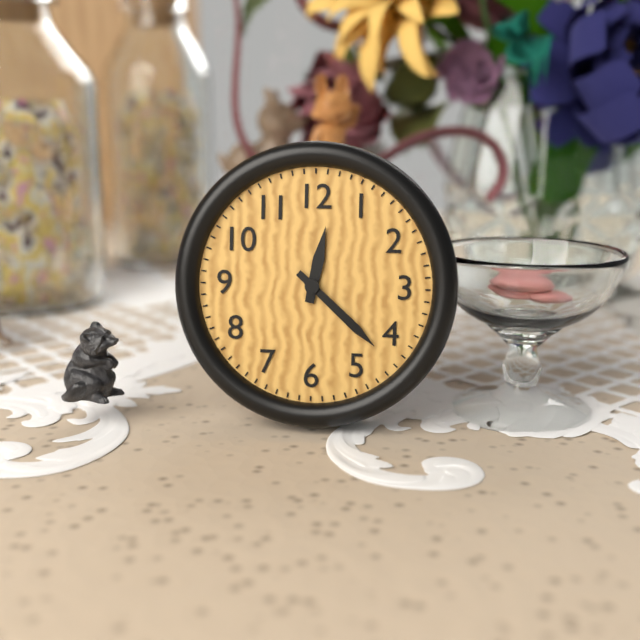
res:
12.22
